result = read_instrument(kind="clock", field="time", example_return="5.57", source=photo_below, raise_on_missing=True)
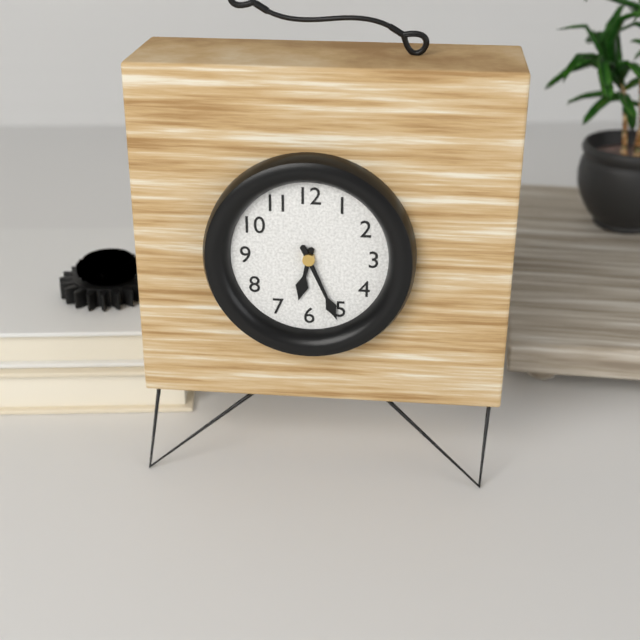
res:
6.26
